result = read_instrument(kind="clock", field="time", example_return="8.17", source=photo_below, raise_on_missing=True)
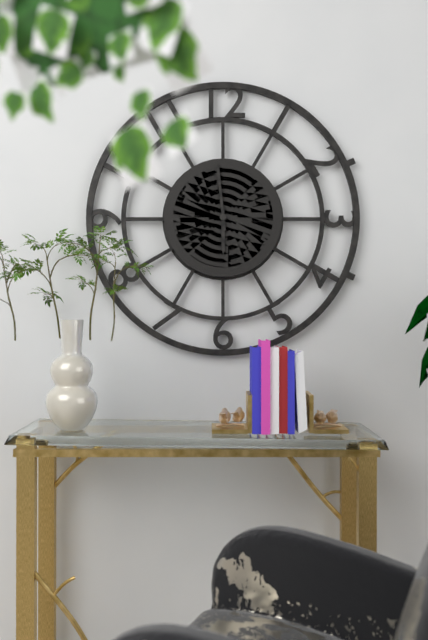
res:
5.59
